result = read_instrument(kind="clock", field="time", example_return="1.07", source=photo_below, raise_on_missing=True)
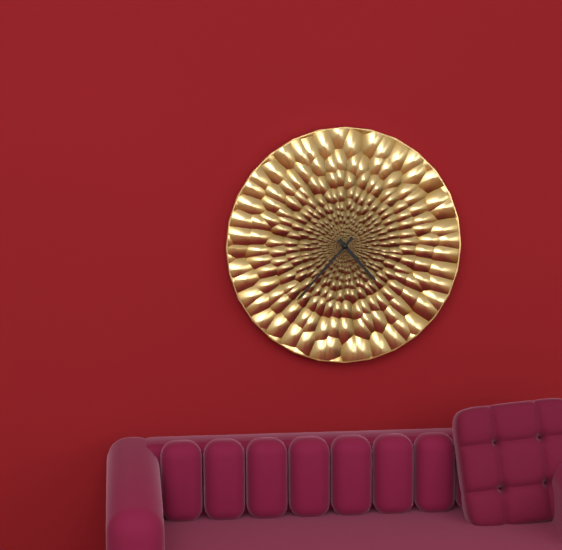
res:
4.37
